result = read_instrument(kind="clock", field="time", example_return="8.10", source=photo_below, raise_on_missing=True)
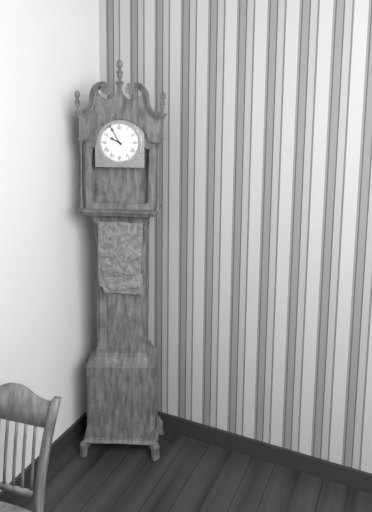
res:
9.55
